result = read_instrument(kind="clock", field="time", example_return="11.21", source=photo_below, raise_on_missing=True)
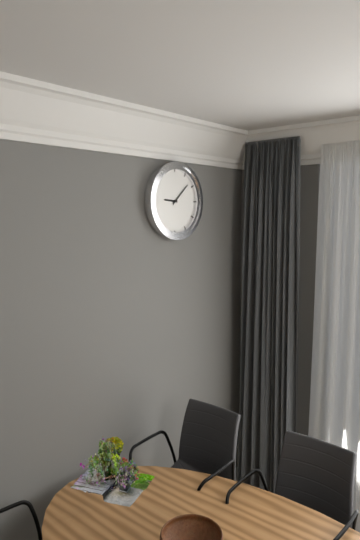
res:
9.08
